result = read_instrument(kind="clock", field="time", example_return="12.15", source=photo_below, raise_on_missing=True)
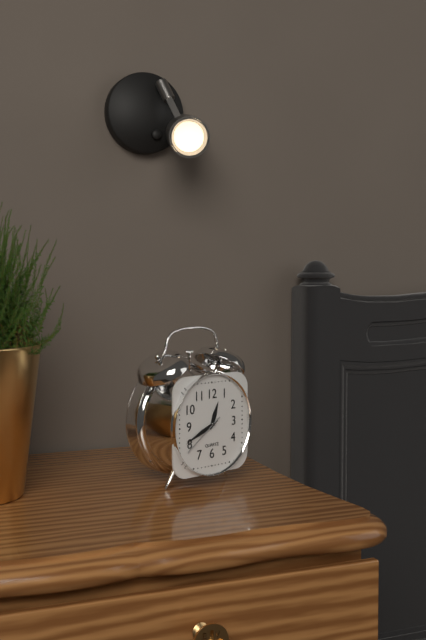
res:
12.41
